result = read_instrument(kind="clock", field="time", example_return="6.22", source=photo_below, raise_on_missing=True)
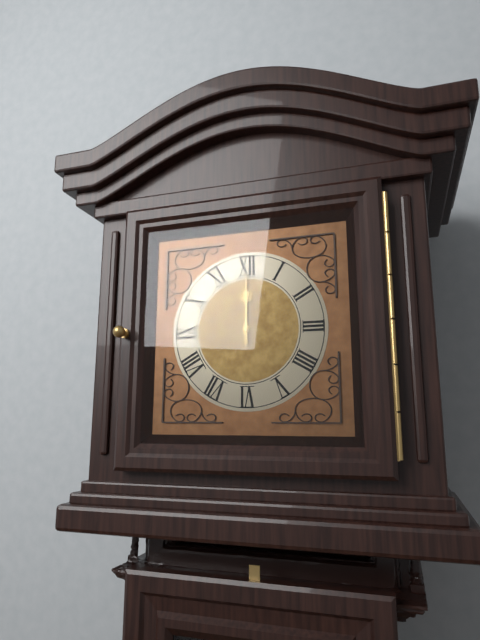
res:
12.00
